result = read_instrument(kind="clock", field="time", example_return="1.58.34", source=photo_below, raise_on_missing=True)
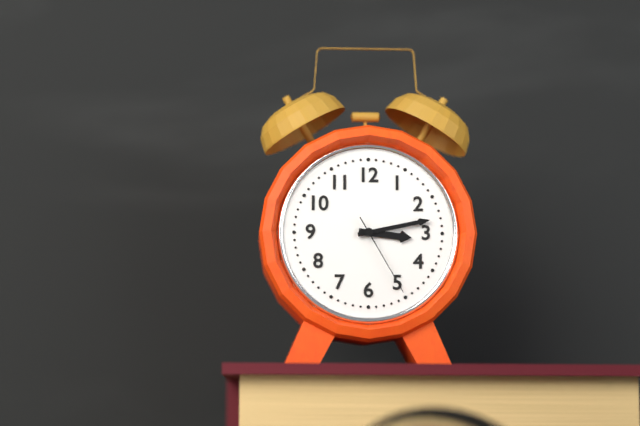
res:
3.13.25
